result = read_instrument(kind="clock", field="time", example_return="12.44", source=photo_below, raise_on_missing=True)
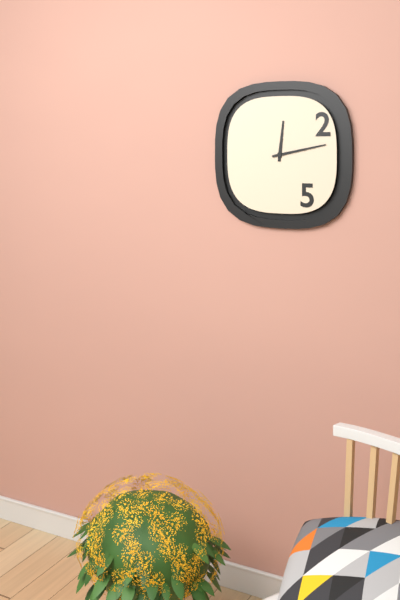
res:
12.13
